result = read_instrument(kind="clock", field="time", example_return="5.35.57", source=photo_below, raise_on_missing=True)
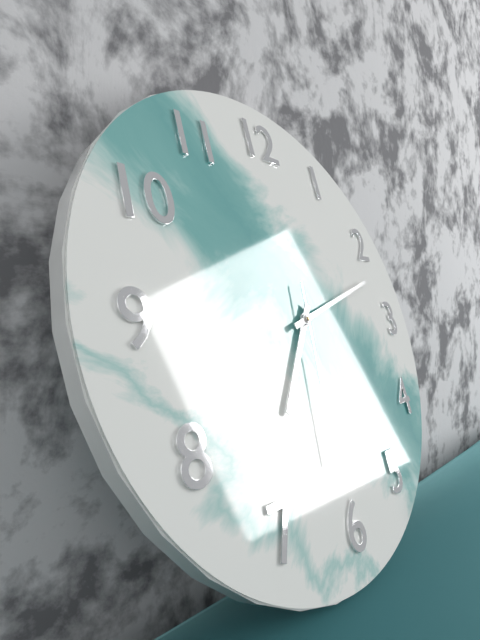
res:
7.12.31
